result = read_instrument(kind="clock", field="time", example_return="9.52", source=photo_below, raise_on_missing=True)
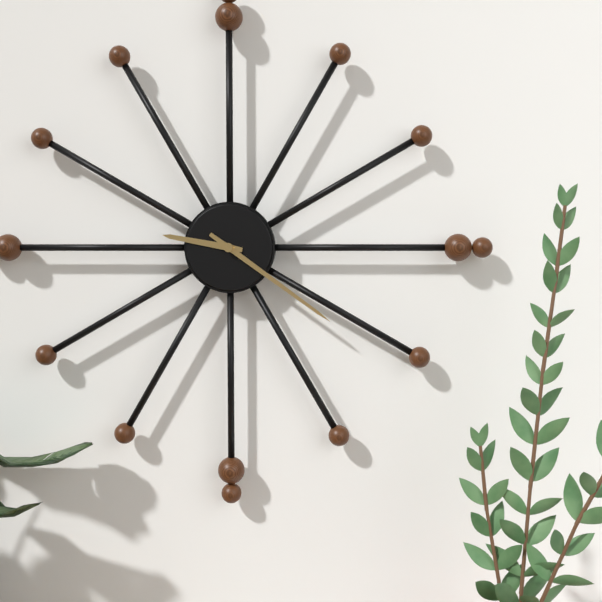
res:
9.21
